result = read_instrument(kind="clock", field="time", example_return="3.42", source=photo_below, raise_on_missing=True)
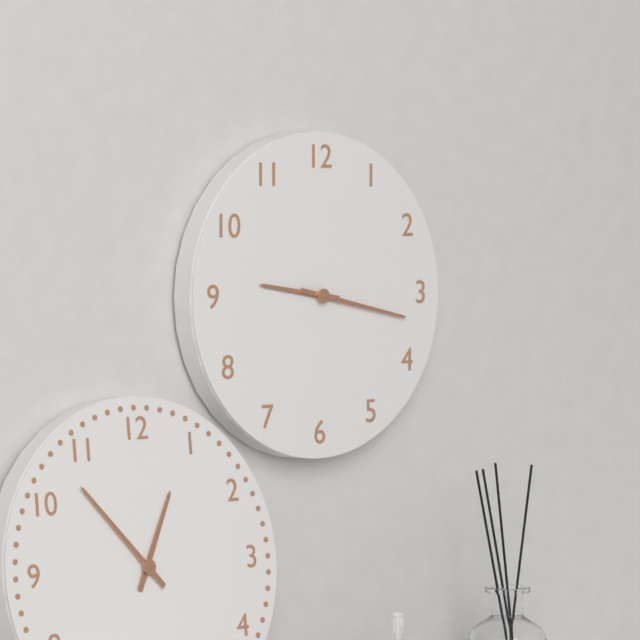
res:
9.17
